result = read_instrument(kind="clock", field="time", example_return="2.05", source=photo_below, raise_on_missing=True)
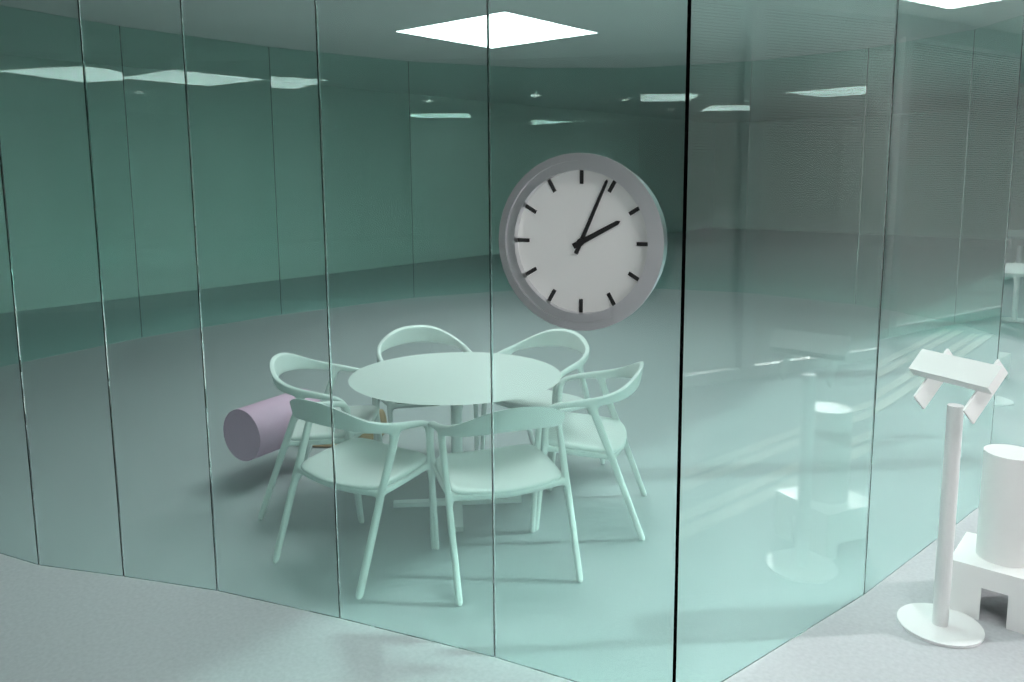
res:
2.04
